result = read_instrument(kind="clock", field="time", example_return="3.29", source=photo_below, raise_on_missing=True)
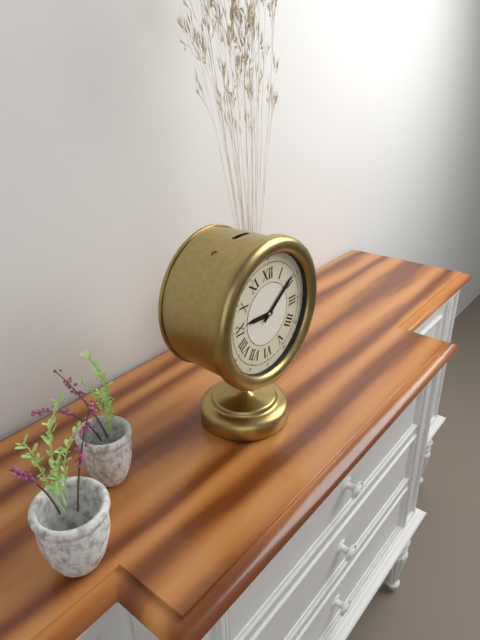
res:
9.09
